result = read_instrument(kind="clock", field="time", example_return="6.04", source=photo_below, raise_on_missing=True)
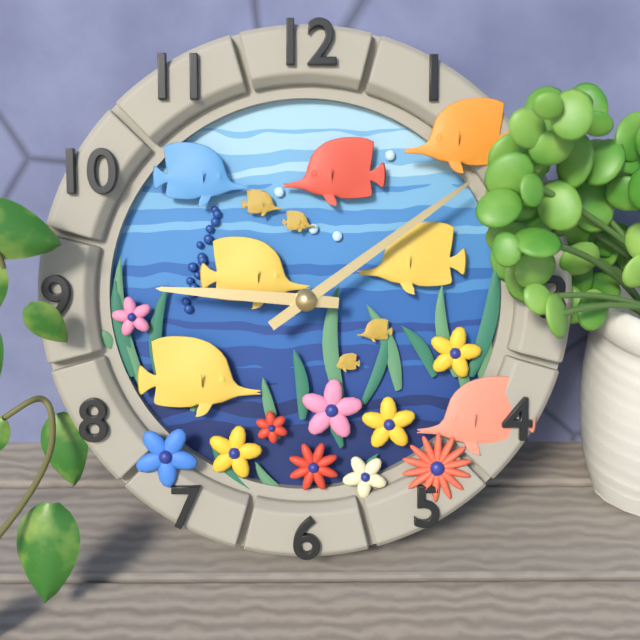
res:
9.09
